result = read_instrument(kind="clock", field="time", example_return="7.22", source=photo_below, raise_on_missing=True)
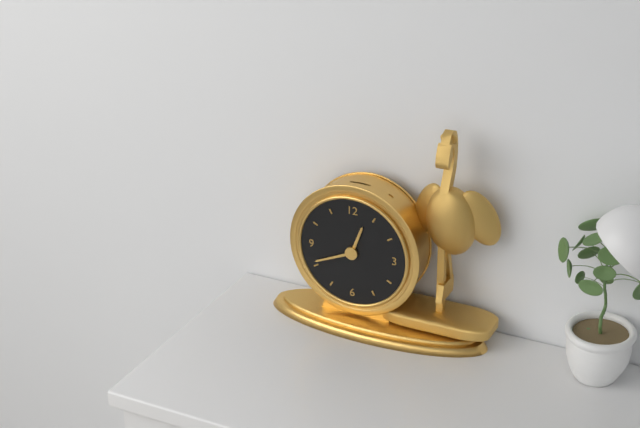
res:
12.41
